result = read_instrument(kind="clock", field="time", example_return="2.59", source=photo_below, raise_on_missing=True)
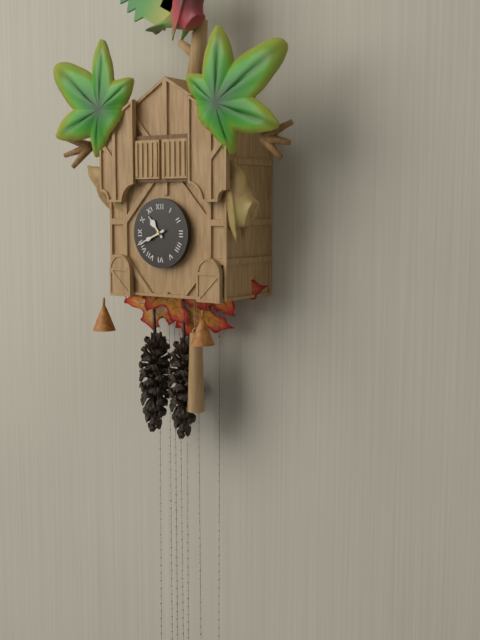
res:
10.41
